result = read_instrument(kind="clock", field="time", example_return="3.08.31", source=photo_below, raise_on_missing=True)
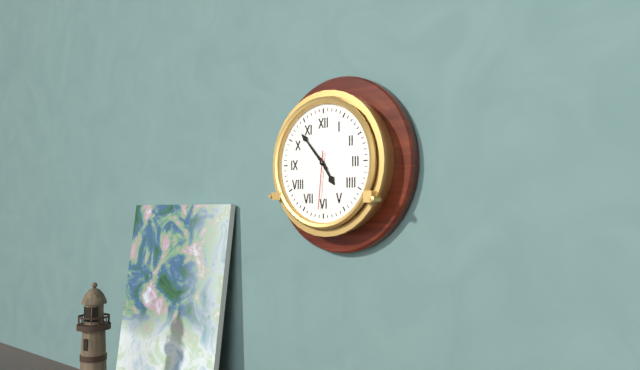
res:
4.53.31
